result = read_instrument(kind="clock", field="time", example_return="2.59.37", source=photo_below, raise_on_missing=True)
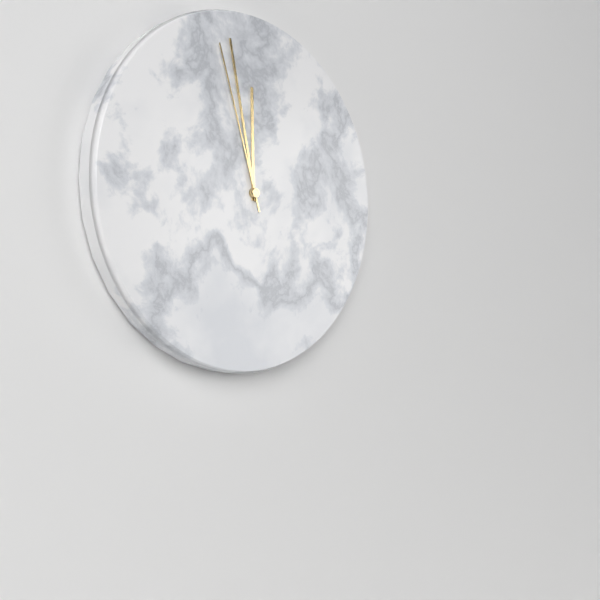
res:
11.58.57
